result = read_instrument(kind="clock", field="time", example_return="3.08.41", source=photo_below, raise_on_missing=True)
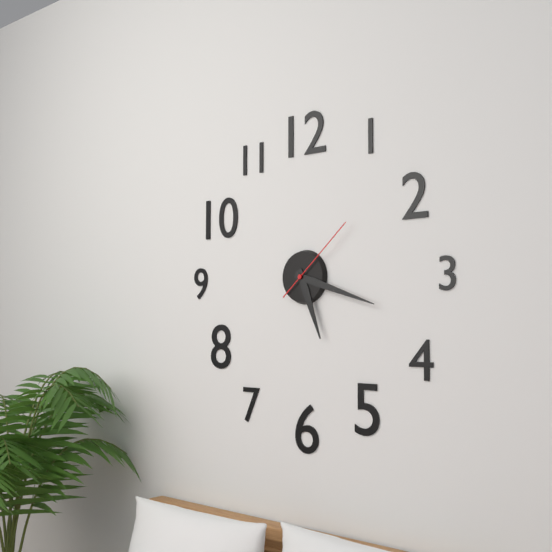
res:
5.18.08
